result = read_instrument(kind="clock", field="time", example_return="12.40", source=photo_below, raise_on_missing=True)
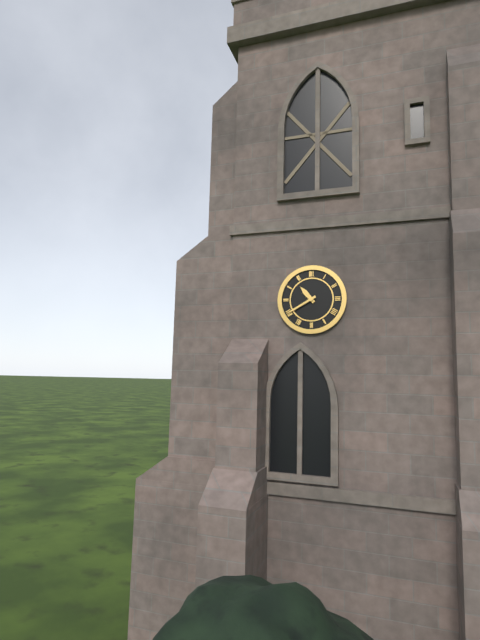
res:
10.40
